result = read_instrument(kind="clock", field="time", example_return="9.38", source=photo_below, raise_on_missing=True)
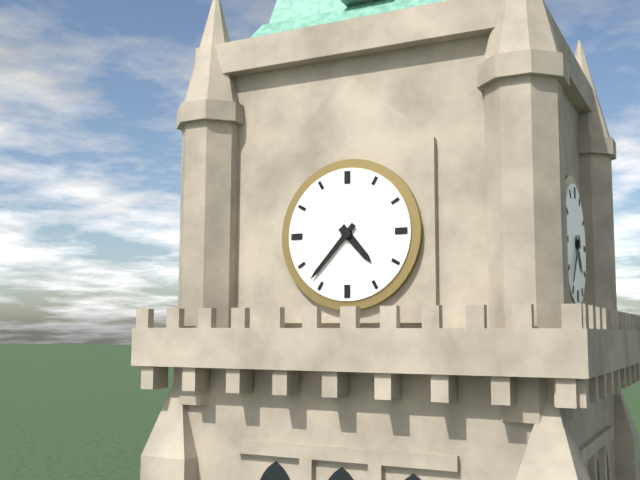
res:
4.37
